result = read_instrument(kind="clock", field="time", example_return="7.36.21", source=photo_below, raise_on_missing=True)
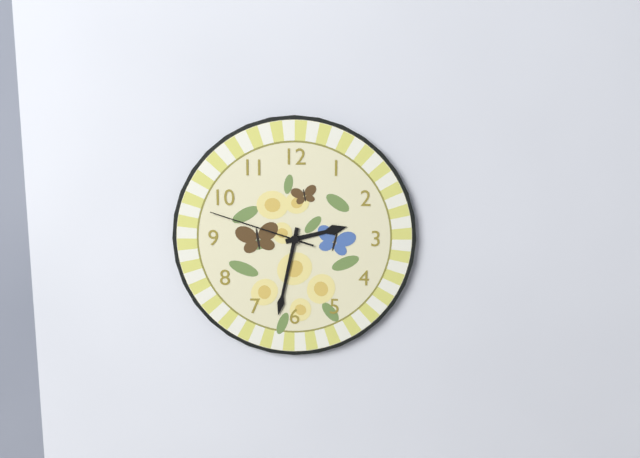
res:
2.32.48
